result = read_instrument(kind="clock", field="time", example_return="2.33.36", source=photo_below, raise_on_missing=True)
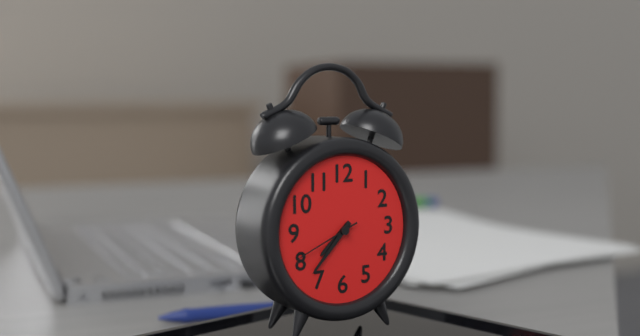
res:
7.37.41
